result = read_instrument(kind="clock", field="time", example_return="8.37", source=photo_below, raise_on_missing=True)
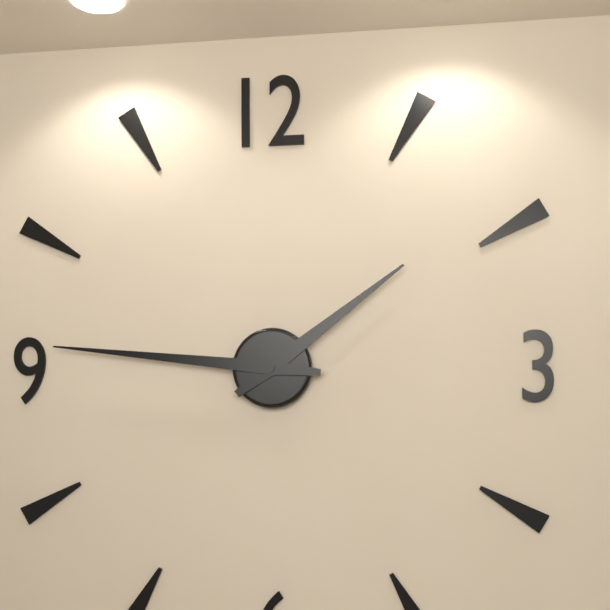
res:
1.46
